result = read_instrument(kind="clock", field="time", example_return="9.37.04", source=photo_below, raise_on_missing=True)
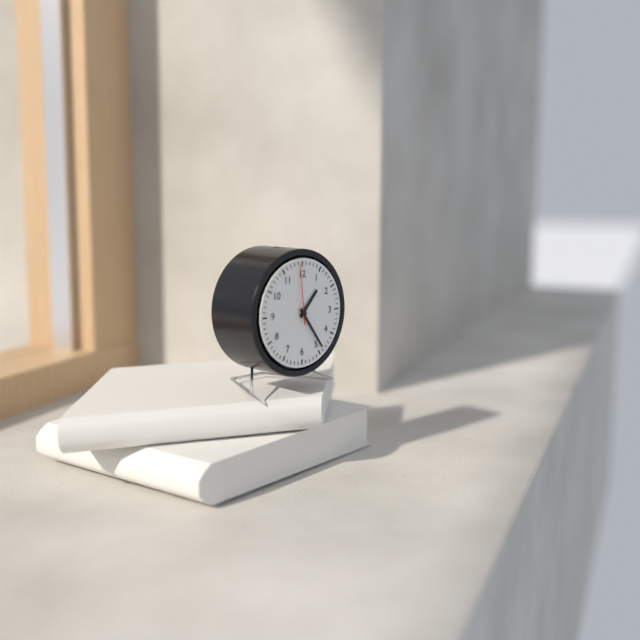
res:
1.24.59
